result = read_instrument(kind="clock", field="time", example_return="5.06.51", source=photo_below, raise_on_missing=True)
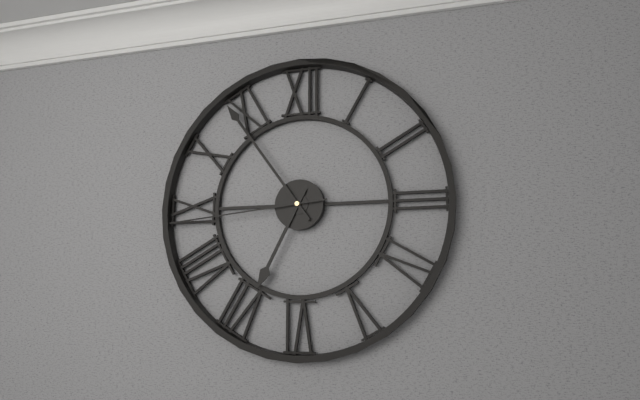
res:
6.54.44
